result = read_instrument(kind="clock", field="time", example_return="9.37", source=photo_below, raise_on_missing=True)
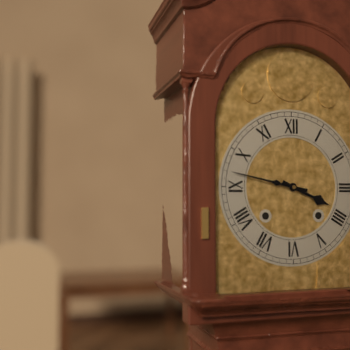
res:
3.47
